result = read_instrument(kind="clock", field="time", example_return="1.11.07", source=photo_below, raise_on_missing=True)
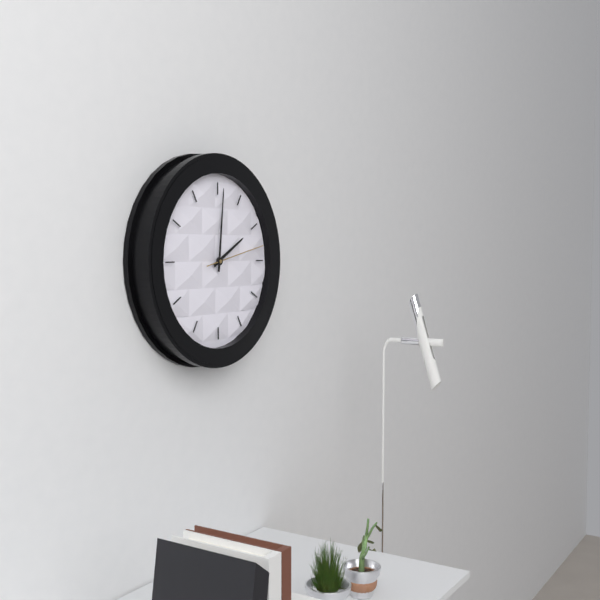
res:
2.01.13
